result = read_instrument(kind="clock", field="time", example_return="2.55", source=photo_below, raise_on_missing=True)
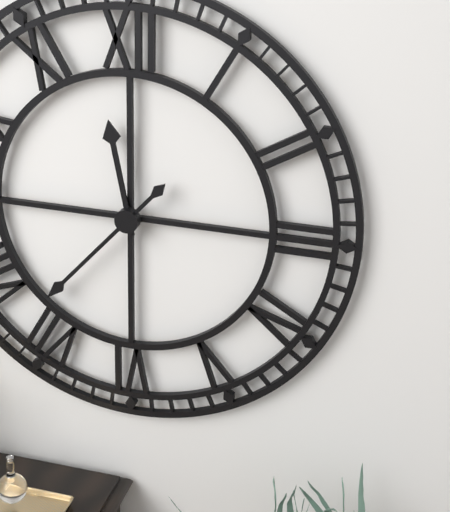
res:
11.37
